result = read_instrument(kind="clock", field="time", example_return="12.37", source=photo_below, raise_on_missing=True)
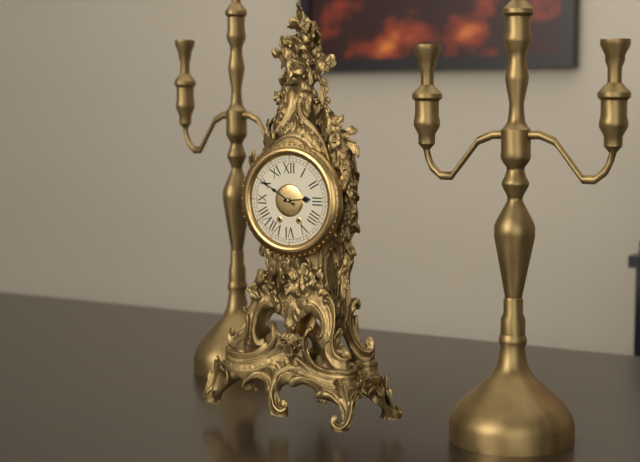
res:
2.50
